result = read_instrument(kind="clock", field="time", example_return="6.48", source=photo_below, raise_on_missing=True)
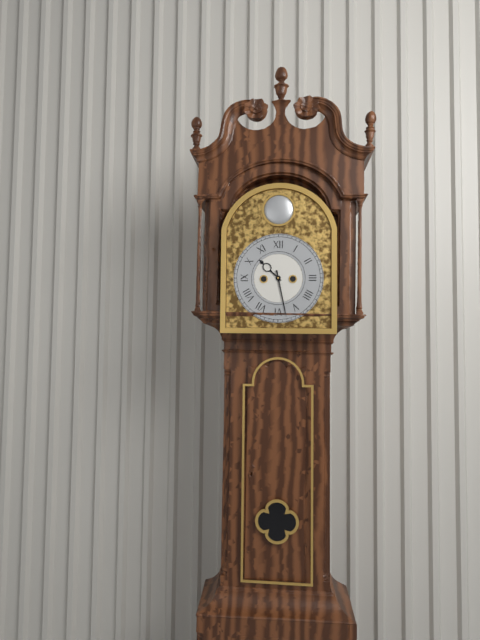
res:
10.28
